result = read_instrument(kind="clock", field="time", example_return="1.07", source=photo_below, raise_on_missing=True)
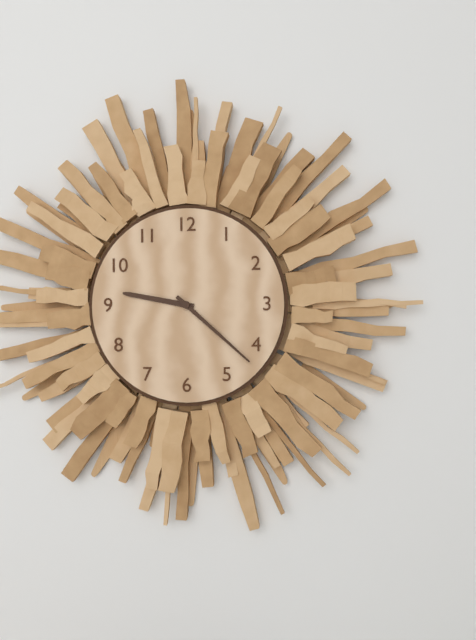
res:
9.22
